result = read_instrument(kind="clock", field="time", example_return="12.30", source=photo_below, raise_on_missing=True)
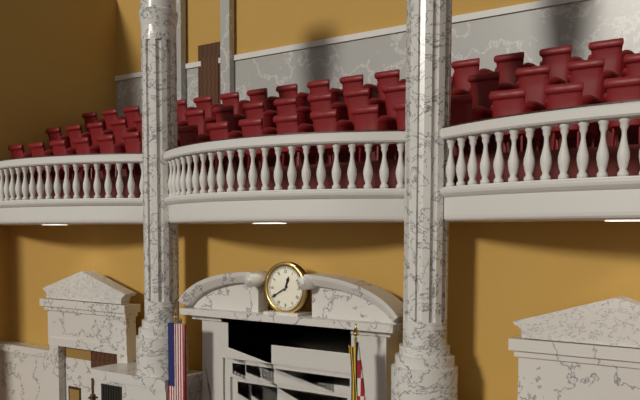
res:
12.40
